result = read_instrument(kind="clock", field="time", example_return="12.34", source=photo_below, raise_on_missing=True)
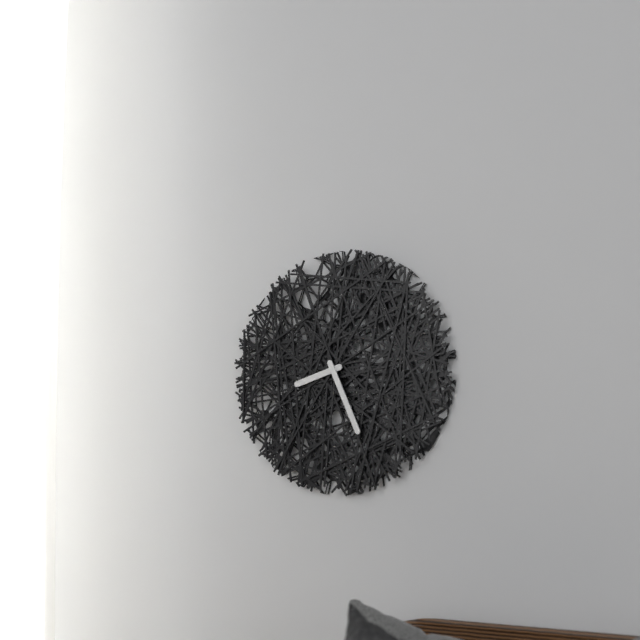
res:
8.26
